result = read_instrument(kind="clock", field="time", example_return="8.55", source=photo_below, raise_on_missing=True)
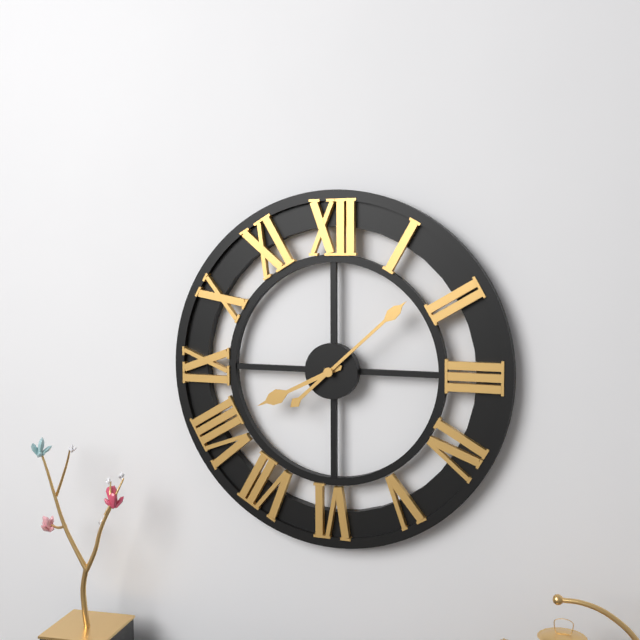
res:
8.08
